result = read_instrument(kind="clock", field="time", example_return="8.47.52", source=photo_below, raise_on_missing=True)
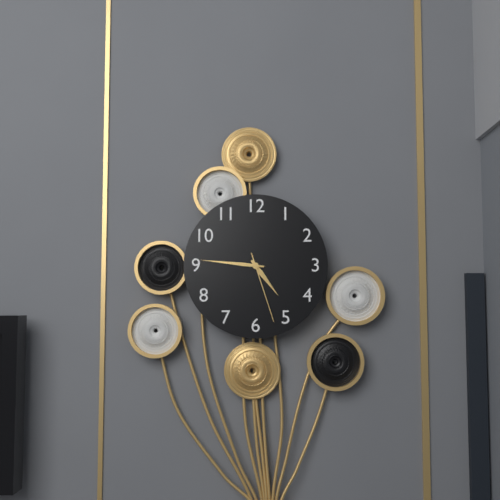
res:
4.46.27
